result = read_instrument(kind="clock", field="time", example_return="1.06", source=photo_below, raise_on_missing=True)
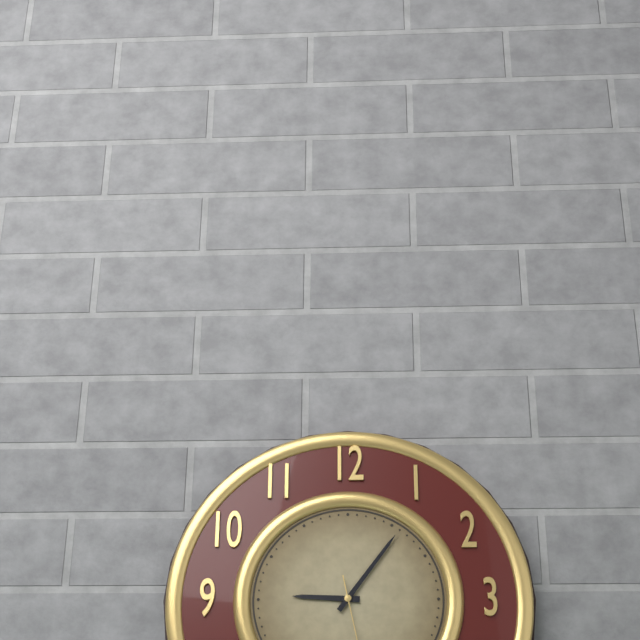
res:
9.06
